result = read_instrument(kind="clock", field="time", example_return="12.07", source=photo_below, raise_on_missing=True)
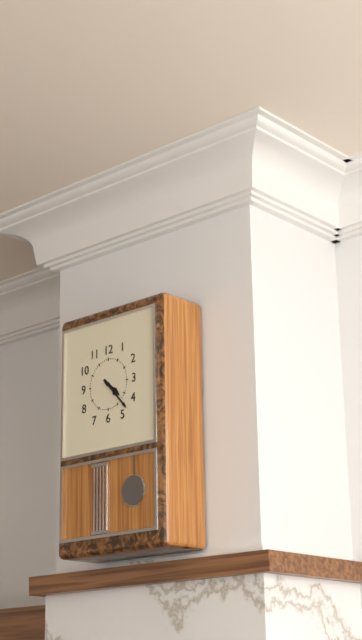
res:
4.23
